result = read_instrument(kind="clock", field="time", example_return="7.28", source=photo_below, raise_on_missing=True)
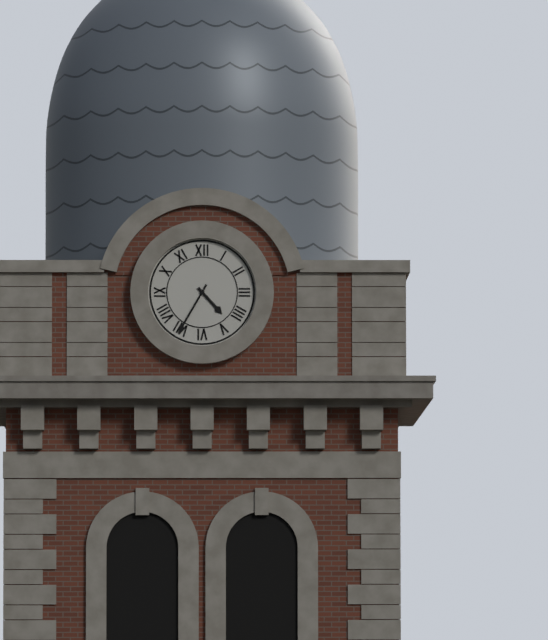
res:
4.35
